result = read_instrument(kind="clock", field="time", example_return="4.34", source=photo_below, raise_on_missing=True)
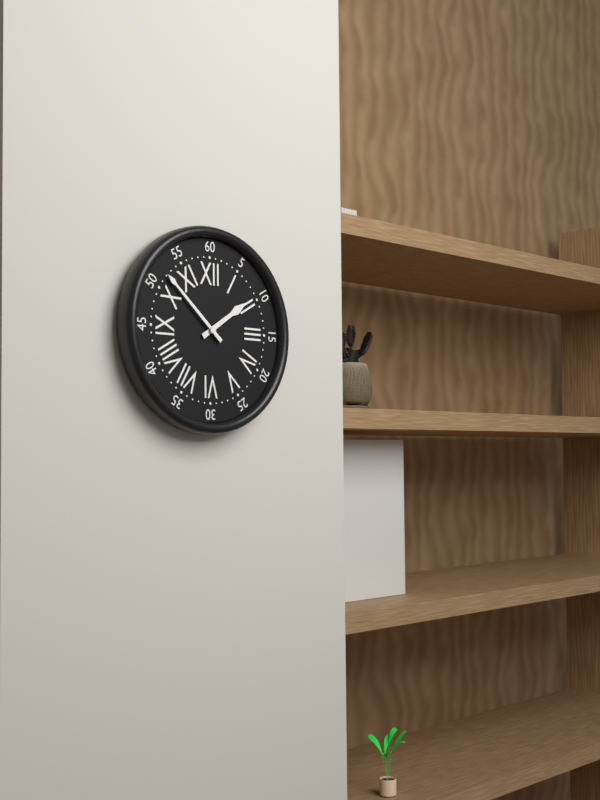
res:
1.52
